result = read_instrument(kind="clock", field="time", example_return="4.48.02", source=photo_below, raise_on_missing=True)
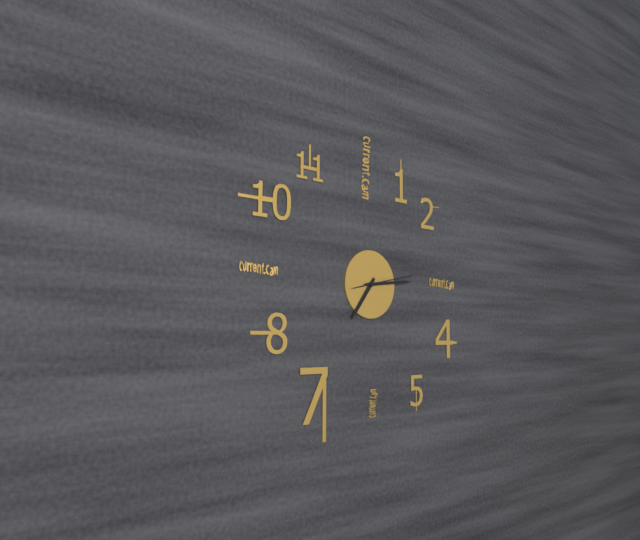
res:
7.14.13
